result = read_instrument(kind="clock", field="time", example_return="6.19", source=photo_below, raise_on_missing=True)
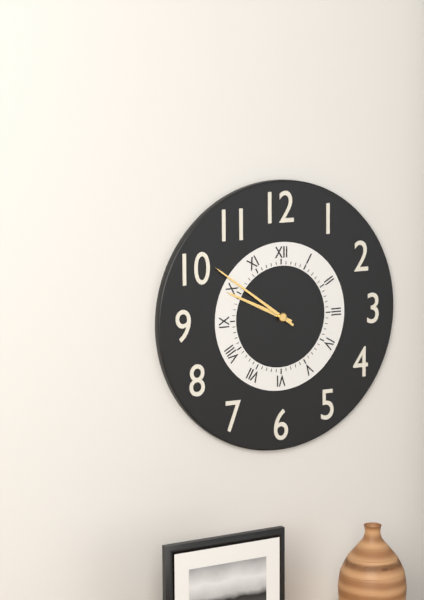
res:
9.51
